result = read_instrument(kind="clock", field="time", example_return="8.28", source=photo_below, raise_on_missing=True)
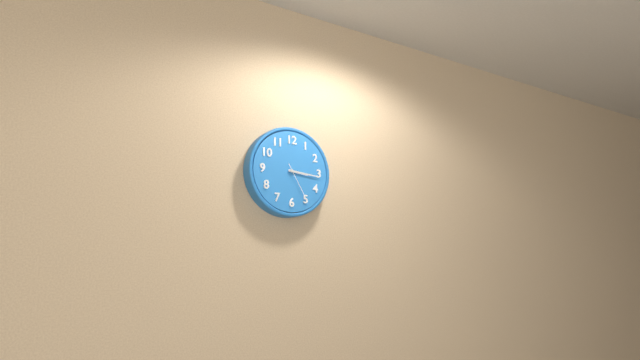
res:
3.16
